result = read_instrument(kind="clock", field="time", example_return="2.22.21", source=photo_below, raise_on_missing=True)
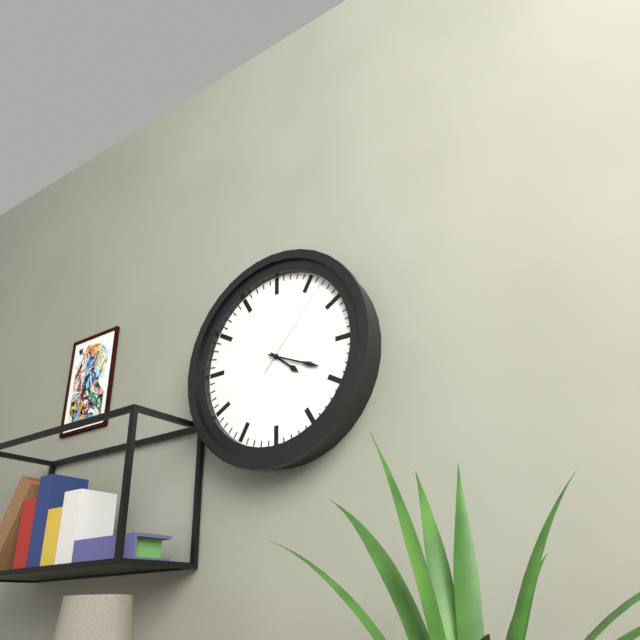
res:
4.19.07
